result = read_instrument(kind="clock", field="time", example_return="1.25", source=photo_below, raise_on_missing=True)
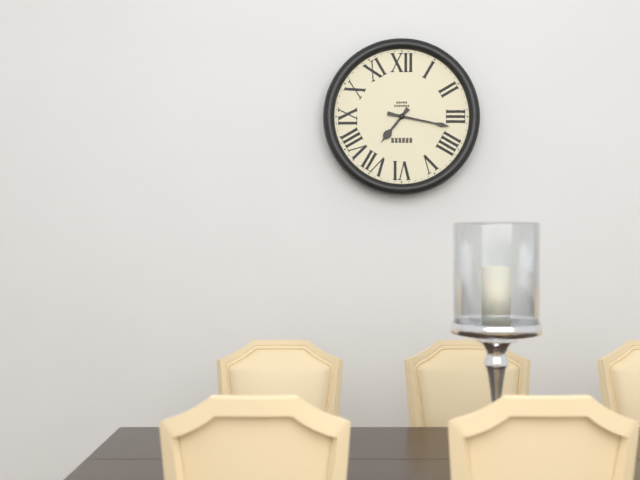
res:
7.17
